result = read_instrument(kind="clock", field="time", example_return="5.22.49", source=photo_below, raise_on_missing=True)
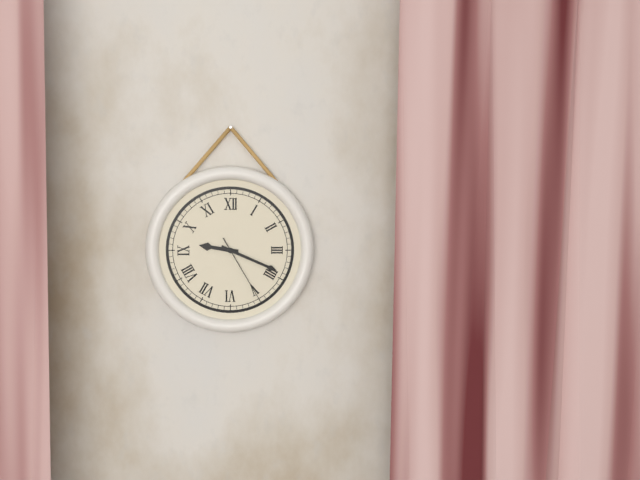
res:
9.19.25
